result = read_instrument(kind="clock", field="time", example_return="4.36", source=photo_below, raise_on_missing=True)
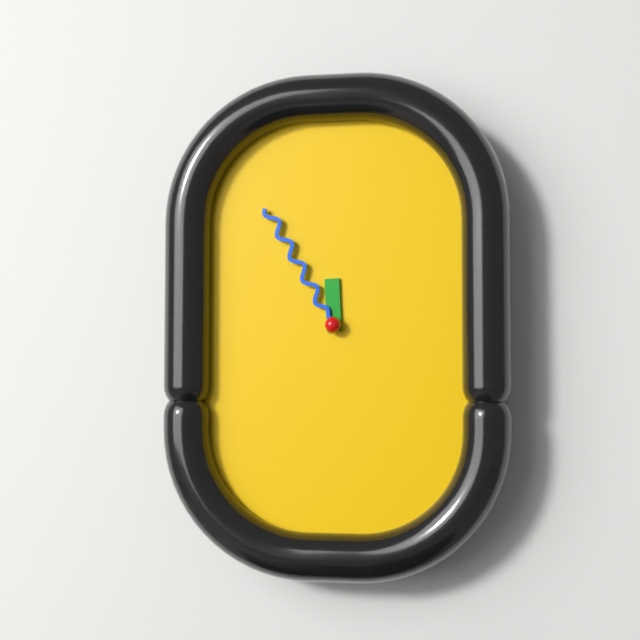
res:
11.55
